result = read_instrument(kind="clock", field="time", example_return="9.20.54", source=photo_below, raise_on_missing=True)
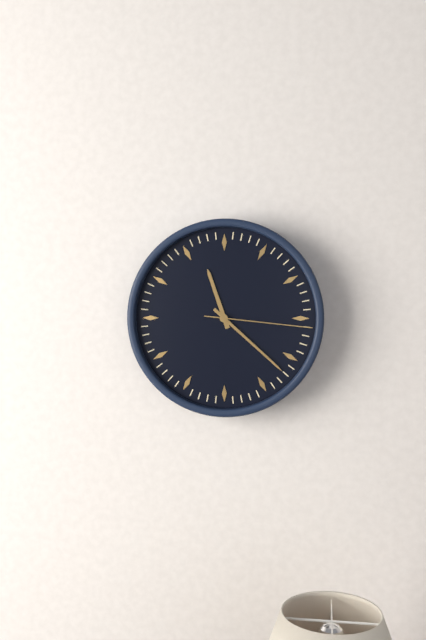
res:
11.22.16
